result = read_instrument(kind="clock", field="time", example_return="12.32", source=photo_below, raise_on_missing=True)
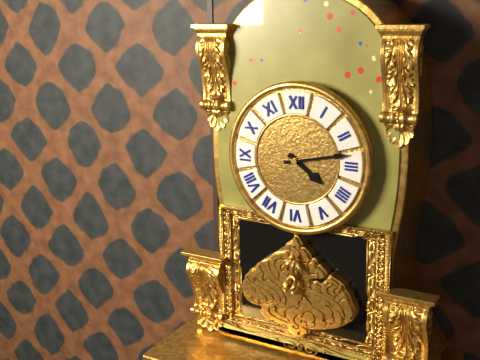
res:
4.13
